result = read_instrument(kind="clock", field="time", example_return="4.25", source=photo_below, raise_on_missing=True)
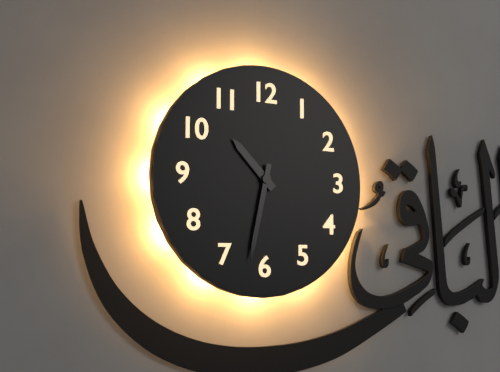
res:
10.32
